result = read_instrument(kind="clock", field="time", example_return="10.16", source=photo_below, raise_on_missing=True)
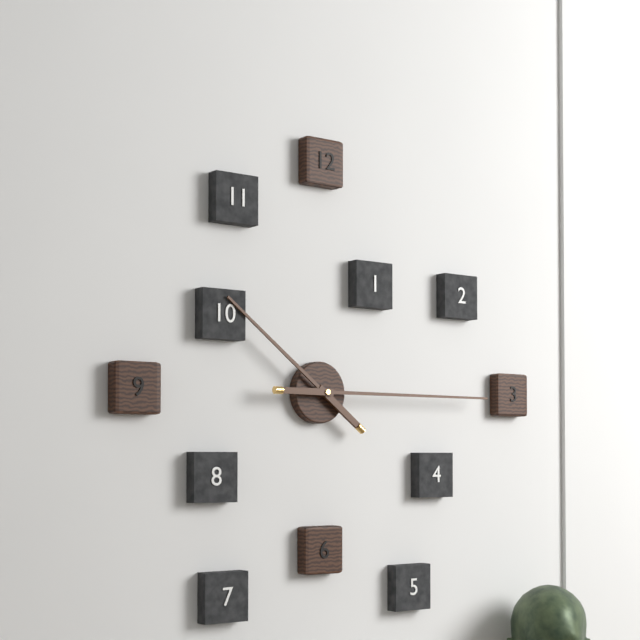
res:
10.15
